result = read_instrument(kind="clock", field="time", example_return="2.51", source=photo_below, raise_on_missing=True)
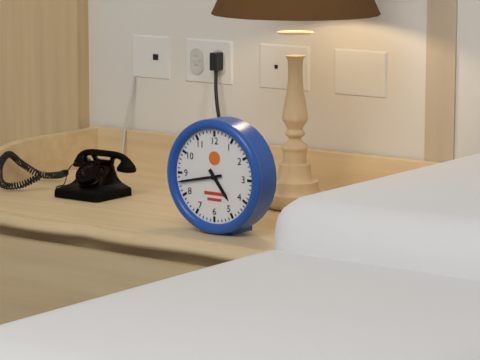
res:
4.43
